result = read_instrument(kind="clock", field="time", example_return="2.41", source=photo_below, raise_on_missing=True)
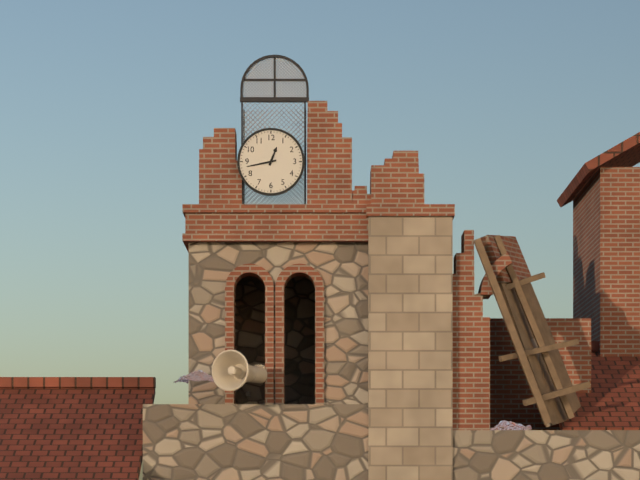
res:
12.43
